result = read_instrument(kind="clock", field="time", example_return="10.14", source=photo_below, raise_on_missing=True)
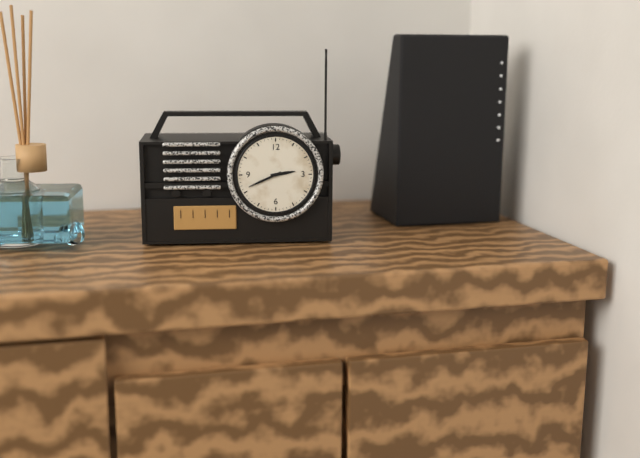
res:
2.41
